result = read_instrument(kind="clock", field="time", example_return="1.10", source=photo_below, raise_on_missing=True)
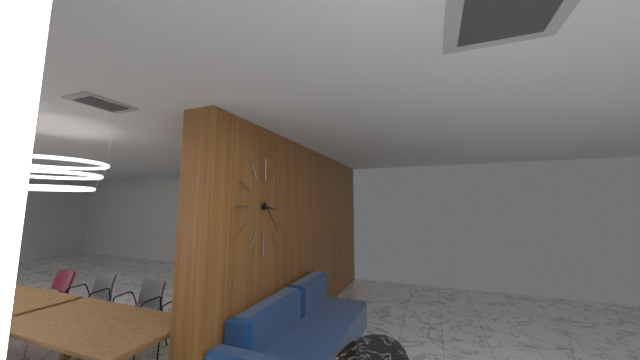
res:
3.23
